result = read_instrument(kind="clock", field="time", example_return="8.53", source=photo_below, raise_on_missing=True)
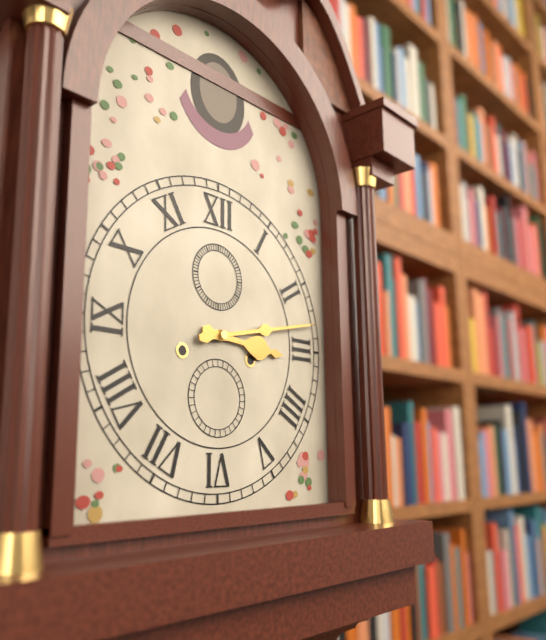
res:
3.13
